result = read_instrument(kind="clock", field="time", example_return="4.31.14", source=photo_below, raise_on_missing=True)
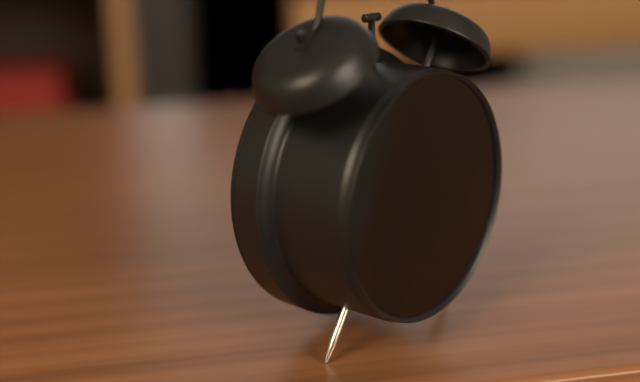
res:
11.22.25
